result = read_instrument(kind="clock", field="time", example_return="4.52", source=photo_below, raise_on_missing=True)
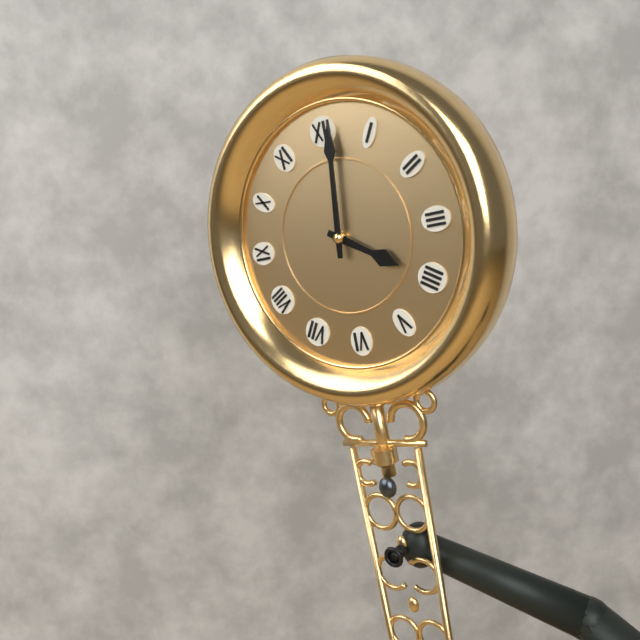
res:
4.01
